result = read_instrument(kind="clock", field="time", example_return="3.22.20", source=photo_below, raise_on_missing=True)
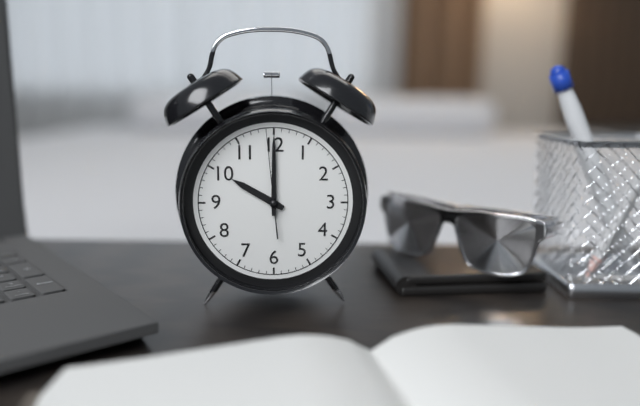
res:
10.00.59
